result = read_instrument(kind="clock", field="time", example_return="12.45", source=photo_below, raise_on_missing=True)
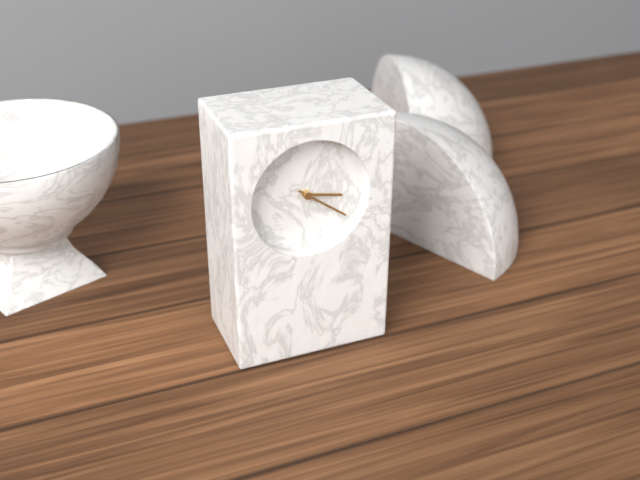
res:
3.21
